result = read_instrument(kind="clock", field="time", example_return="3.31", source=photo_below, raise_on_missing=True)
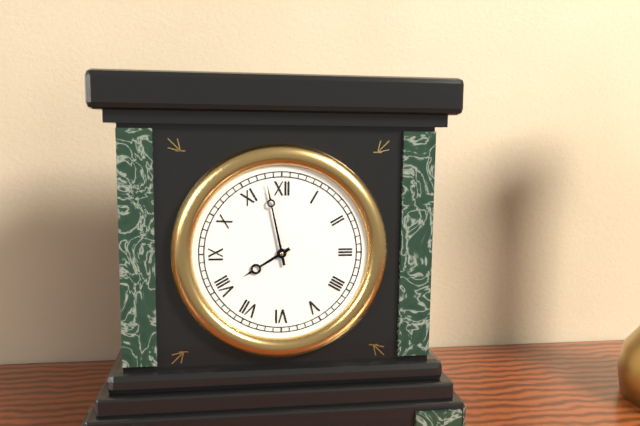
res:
7.58
